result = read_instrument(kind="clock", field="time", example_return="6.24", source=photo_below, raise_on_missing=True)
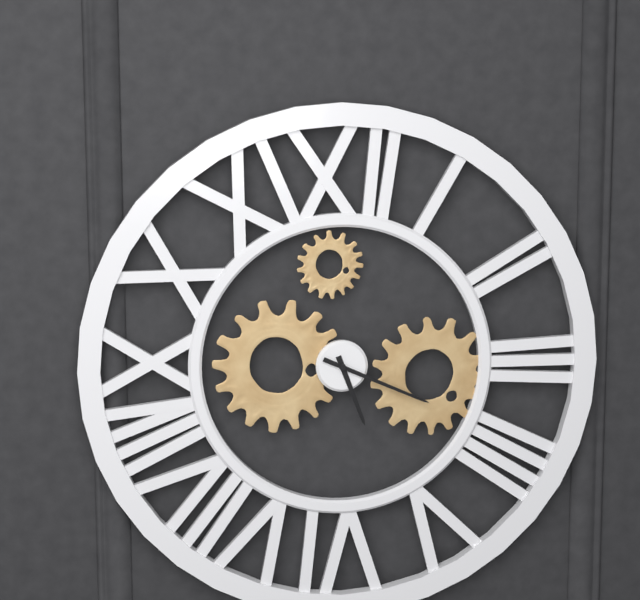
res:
5.19
